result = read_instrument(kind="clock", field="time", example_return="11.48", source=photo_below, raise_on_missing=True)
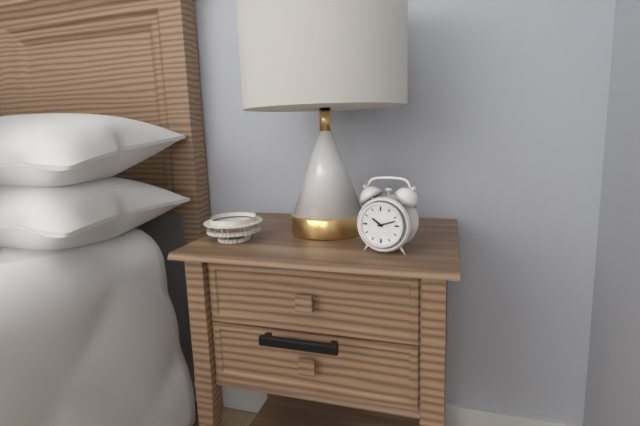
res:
10.12
